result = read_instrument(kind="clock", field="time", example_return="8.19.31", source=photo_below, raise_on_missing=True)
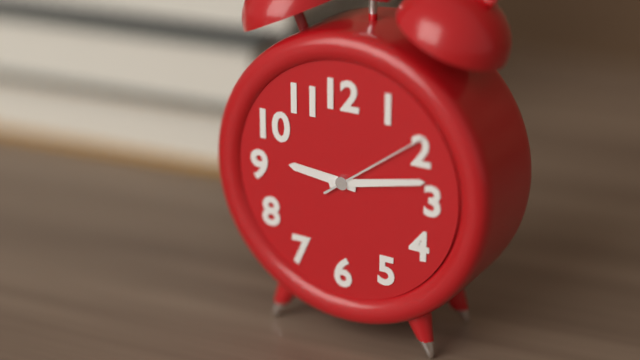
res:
9.13.09
